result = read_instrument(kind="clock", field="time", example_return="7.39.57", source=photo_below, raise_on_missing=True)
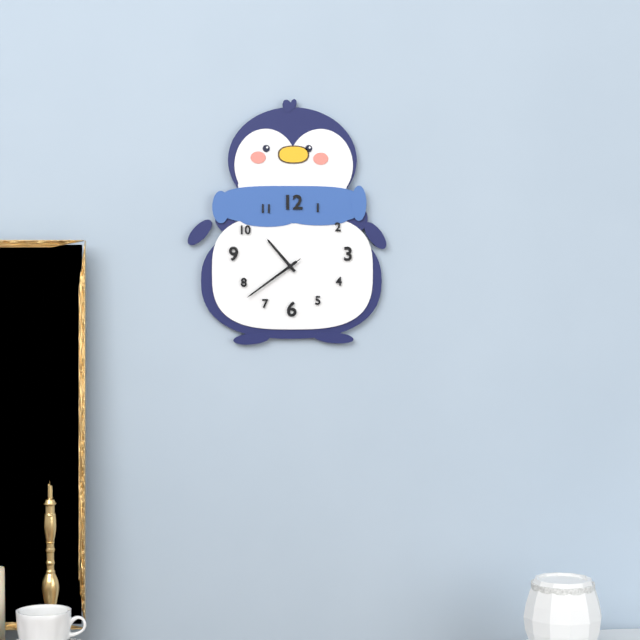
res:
10.39.39
